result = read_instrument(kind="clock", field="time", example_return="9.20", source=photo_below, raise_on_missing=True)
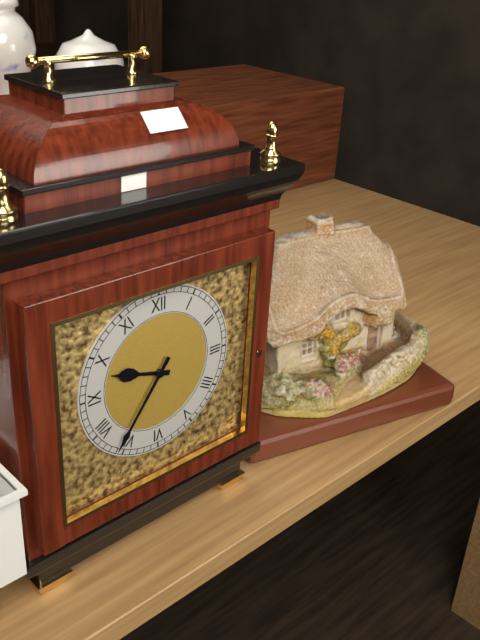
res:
9.36
